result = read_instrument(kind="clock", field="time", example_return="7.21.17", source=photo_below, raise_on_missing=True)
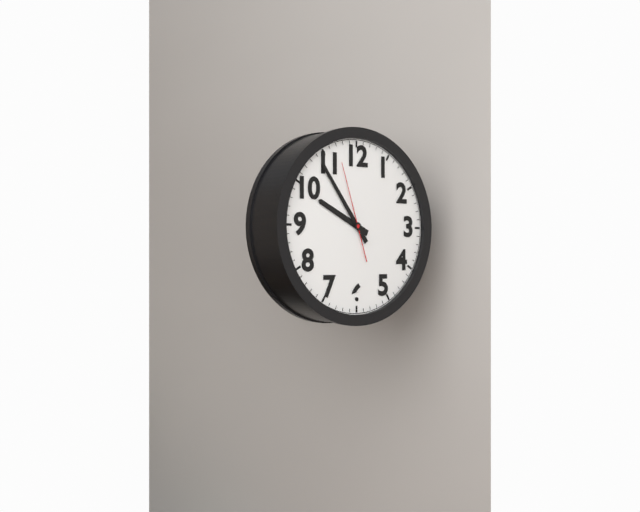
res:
9.54.57
